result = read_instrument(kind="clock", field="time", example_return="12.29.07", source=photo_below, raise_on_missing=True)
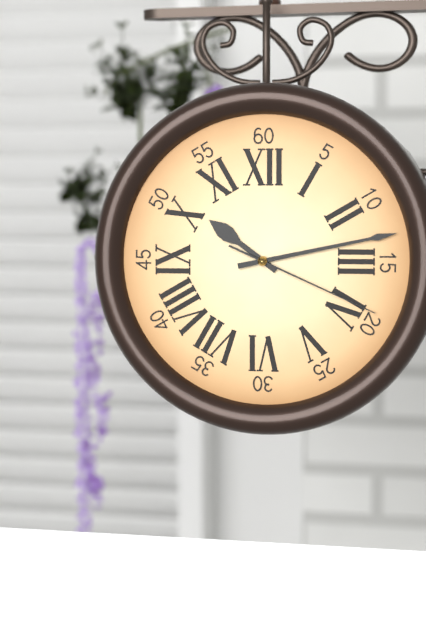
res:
10.13.19
